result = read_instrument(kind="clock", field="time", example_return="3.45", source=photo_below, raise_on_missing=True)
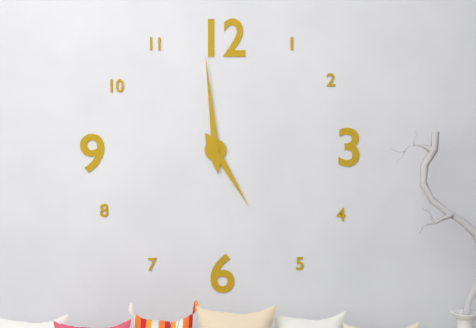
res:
4.59
